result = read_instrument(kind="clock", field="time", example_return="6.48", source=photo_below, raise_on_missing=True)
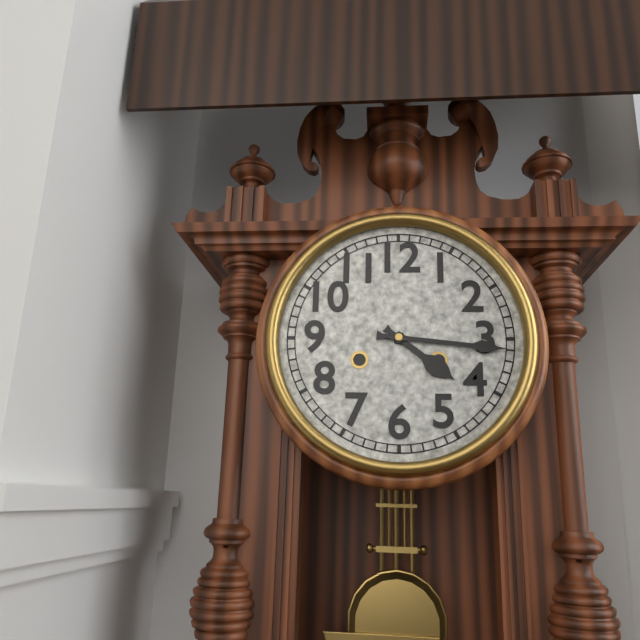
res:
4.16
